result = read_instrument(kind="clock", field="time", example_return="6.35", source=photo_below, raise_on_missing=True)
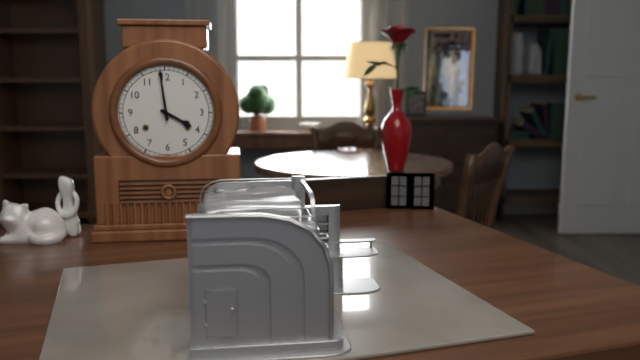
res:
3.59
